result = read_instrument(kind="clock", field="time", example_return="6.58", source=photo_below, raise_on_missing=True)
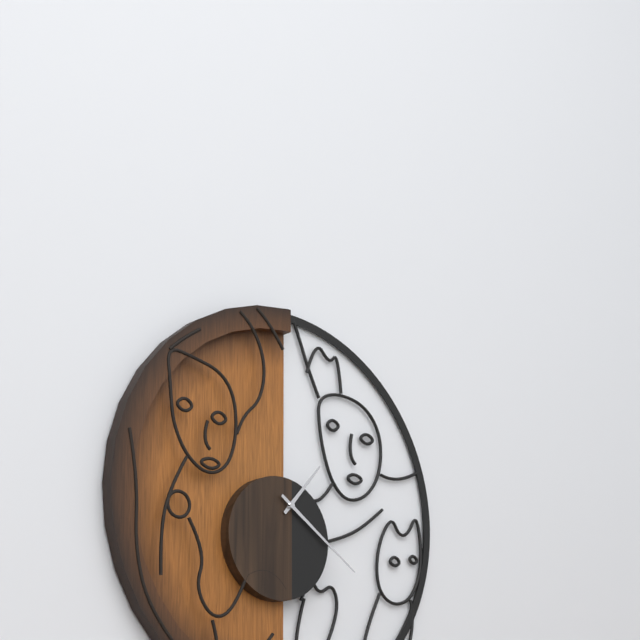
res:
1.21
